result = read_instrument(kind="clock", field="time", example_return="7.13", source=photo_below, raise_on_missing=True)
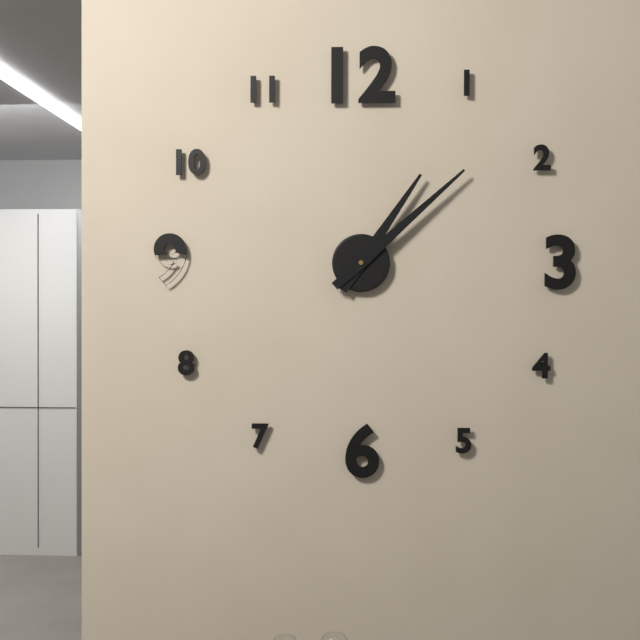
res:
1.08
